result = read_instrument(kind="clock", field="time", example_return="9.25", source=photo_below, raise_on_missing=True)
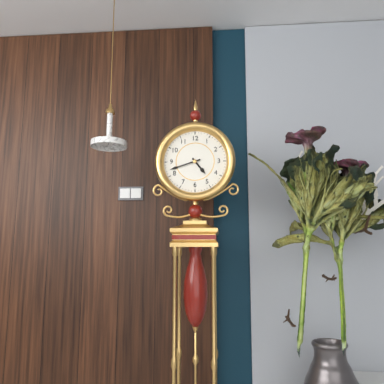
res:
4.42
